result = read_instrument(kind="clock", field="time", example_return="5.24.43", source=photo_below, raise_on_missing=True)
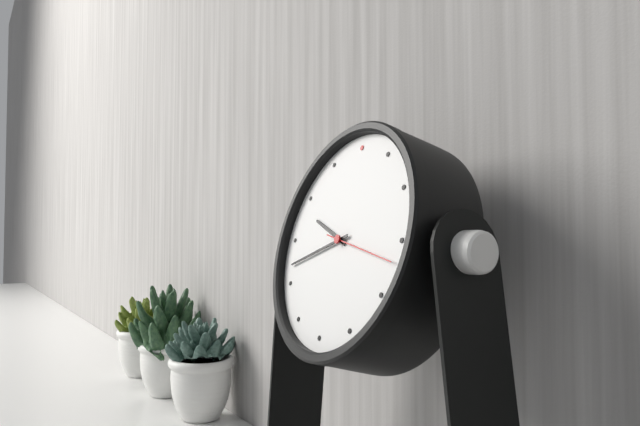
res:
9.42.17
